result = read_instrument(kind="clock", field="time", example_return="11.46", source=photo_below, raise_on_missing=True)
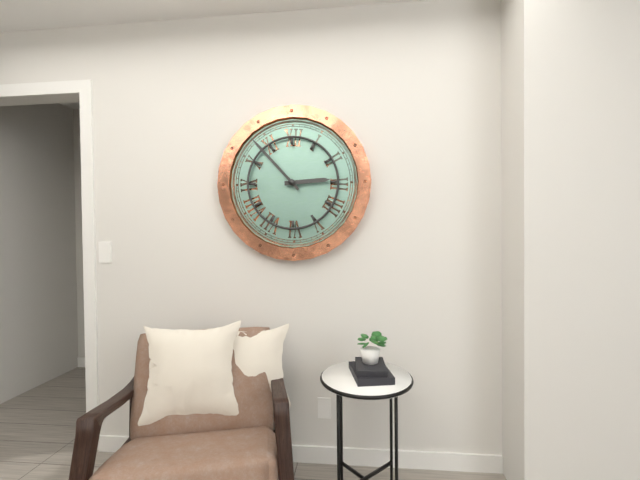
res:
2.53
